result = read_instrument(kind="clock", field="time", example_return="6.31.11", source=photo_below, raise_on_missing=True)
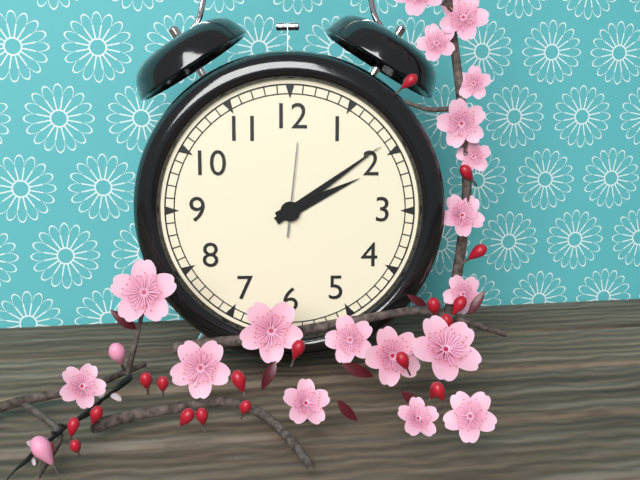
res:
2.09.01
